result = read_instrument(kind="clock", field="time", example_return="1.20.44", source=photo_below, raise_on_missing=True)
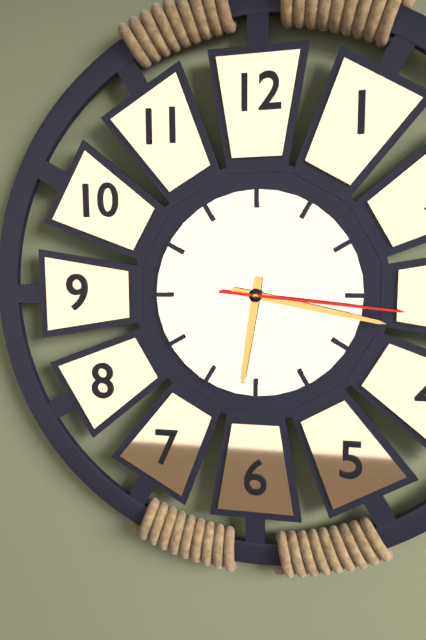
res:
6.17.16
